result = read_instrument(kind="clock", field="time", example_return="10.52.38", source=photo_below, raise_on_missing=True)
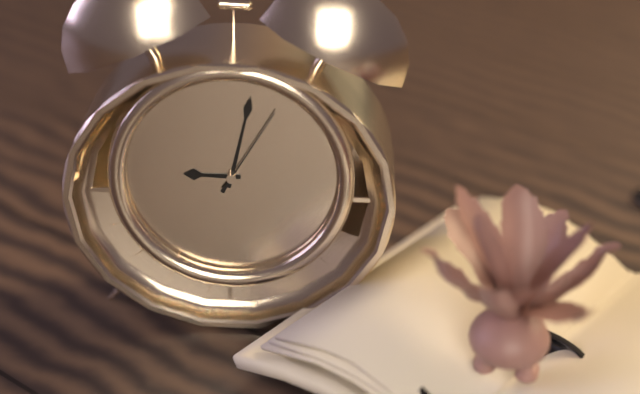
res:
9.02.05
